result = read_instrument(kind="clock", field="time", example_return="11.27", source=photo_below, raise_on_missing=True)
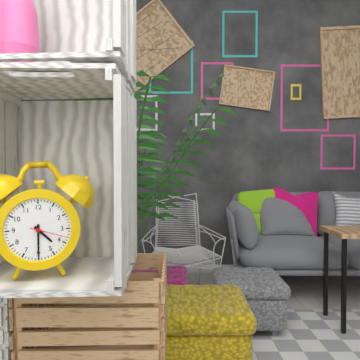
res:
4.30
